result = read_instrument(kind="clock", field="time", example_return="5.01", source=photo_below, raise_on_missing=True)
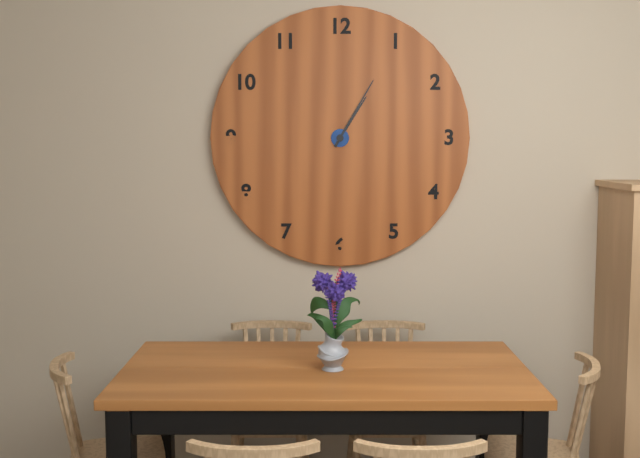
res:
1.05
